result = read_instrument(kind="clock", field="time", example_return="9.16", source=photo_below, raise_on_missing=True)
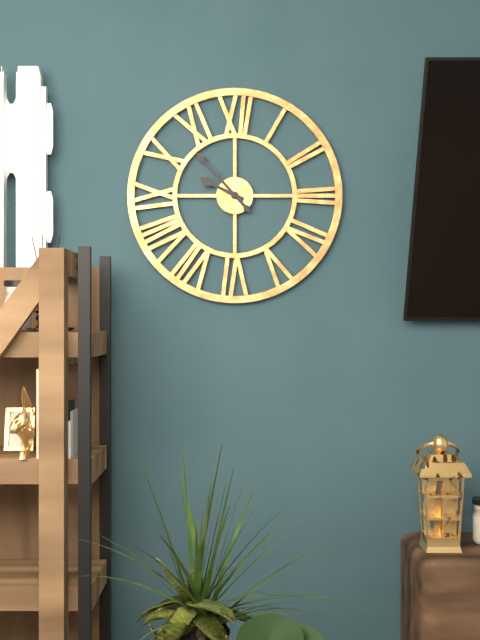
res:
9.53
